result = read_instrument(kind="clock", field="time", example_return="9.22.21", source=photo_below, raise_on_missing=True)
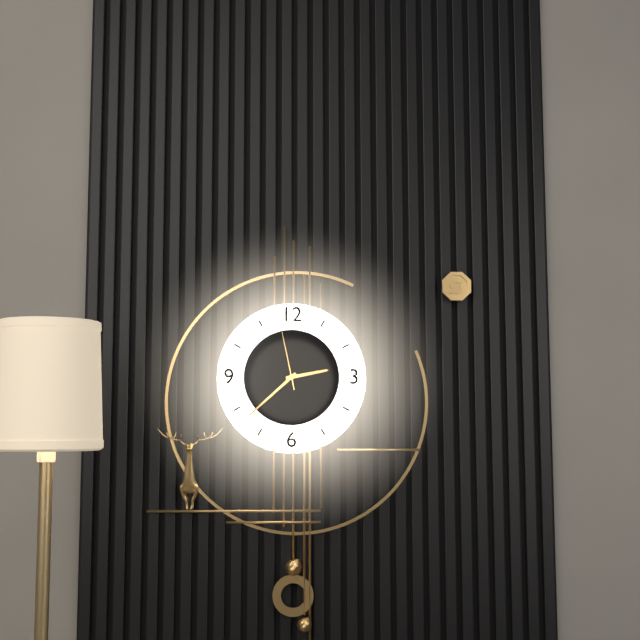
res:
2.38.58
